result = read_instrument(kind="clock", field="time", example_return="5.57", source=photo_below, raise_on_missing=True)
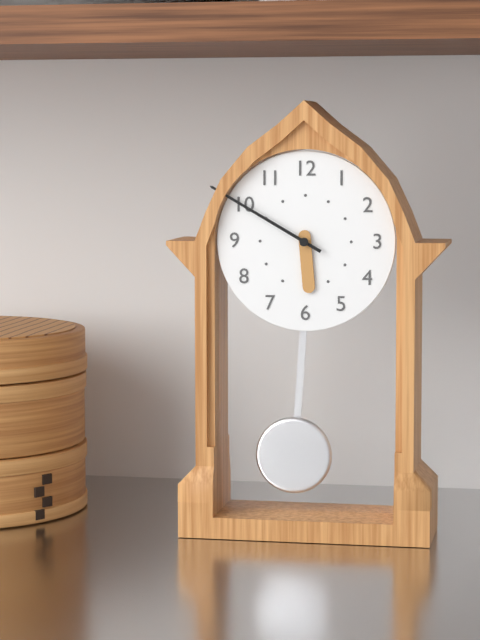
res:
5.50
